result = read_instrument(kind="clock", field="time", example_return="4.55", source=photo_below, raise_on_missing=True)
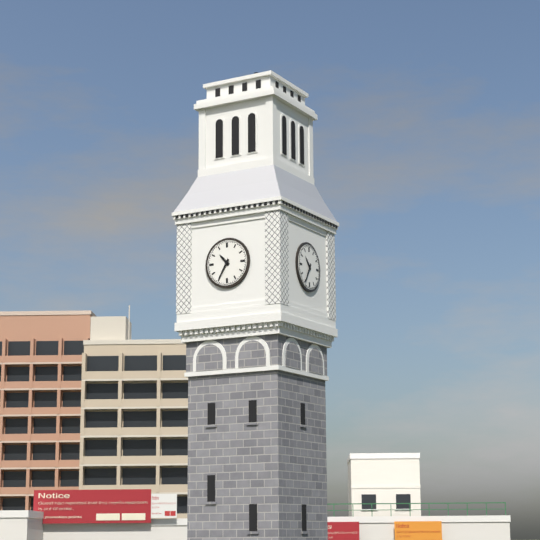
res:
10.35
